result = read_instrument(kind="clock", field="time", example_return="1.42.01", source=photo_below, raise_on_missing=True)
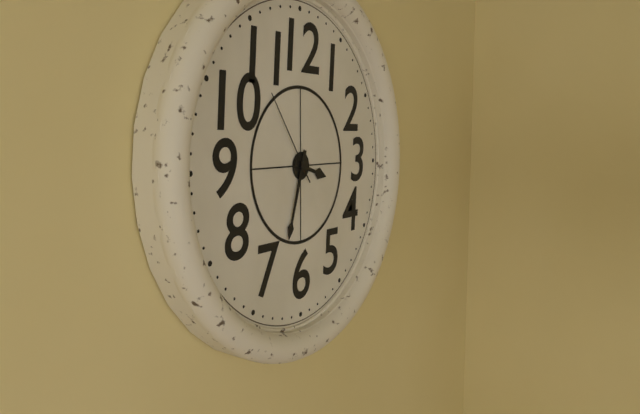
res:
3.33.54
